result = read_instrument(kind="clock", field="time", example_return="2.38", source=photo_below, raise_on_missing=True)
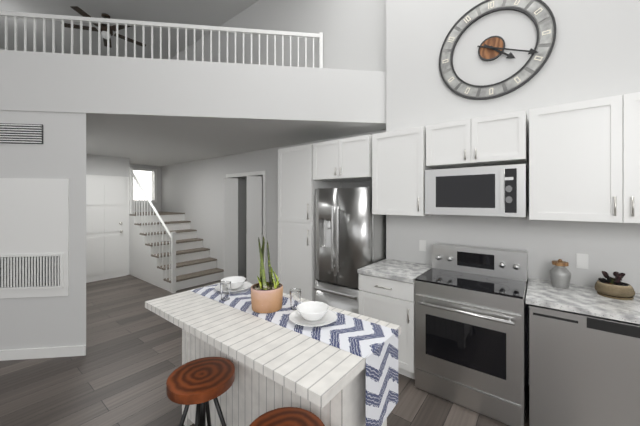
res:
4.19
